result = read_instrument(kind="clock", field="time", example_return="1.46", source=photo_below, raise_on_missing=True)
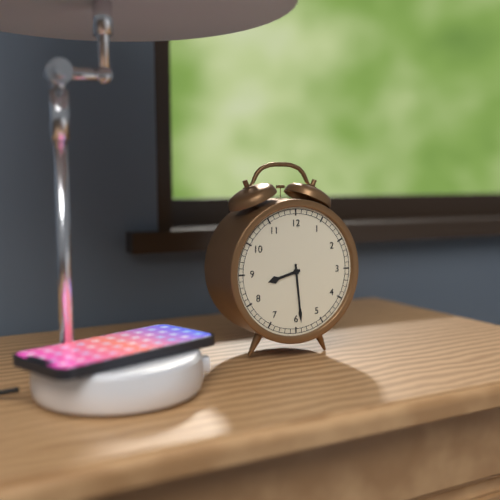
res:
8.29
